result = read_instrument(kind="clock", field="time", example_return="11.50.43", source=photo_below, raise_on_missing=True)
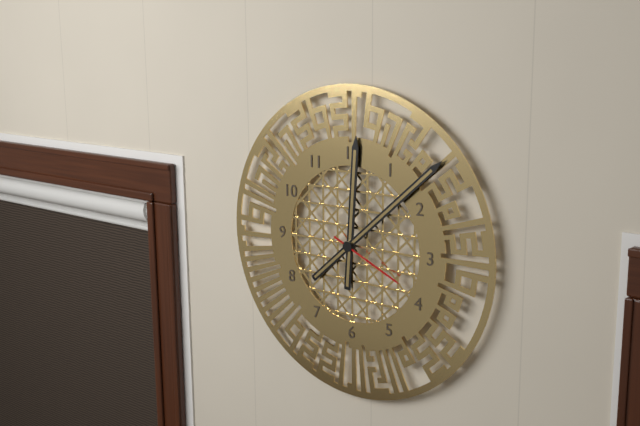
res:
12.08.19
